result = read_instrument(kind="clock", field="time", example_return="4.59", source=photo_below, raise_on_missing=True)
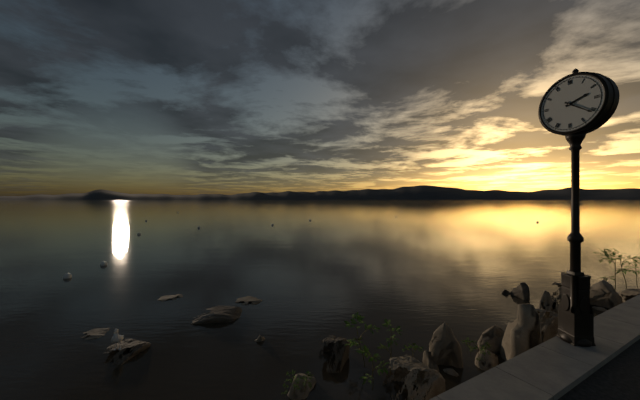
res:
2.21
